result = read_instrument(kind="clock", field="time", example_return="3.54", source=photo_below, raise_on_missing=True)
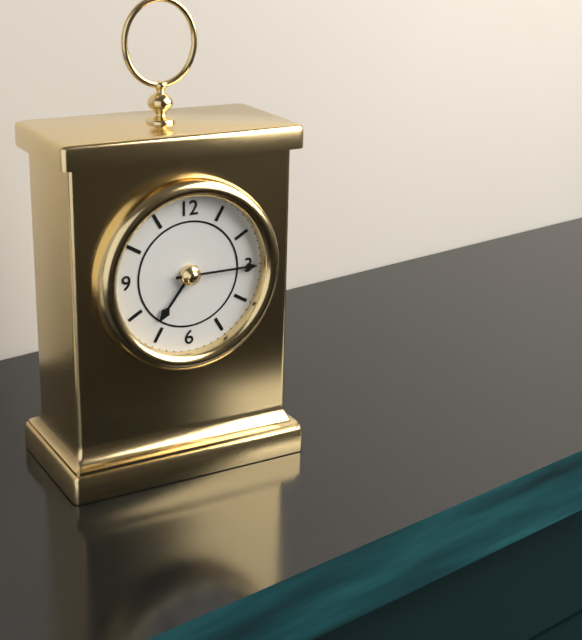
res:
7.15
